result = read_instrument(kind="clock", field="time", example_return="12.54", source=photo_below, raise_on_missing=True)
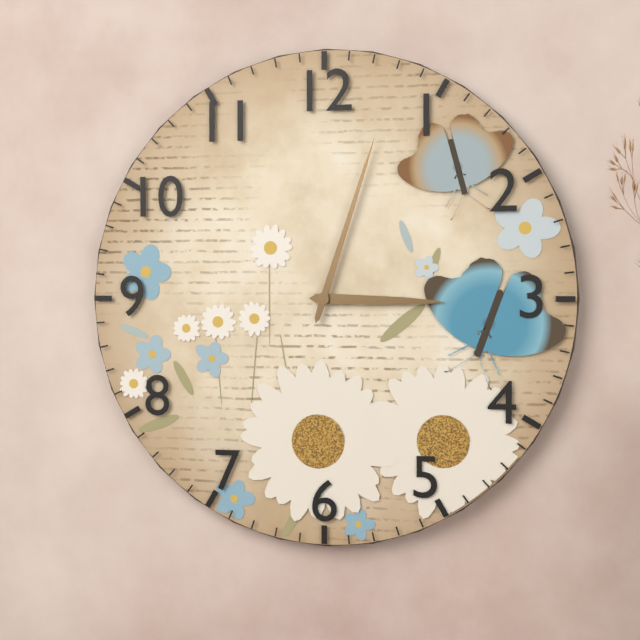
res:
3.03
